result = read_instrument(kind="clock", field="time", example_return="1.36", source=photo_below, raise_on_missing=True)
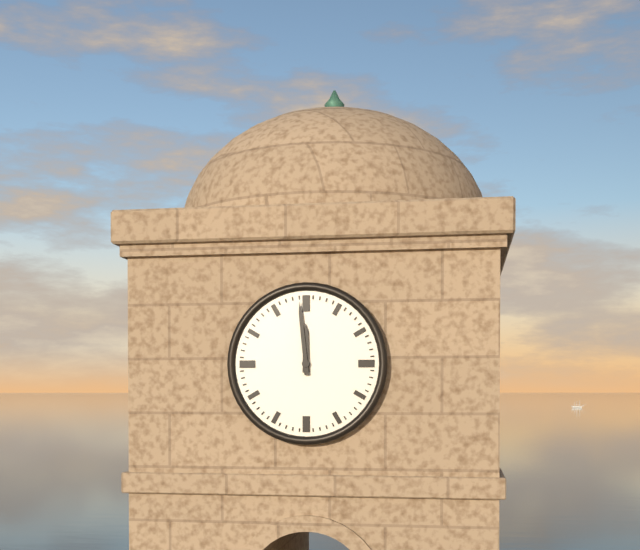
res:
11.59
